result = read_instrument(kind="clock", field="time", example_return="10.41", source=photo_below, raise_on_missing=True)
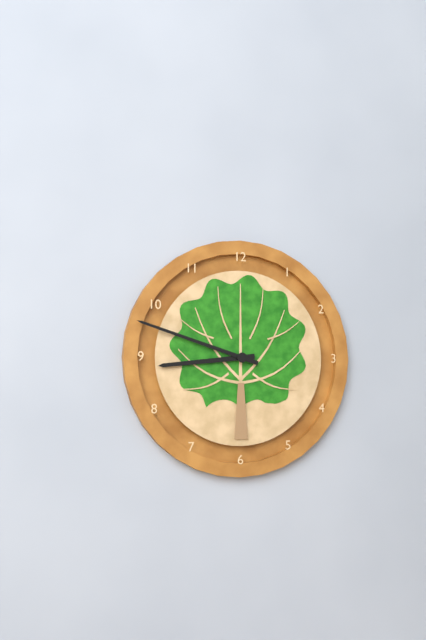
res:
8.48
